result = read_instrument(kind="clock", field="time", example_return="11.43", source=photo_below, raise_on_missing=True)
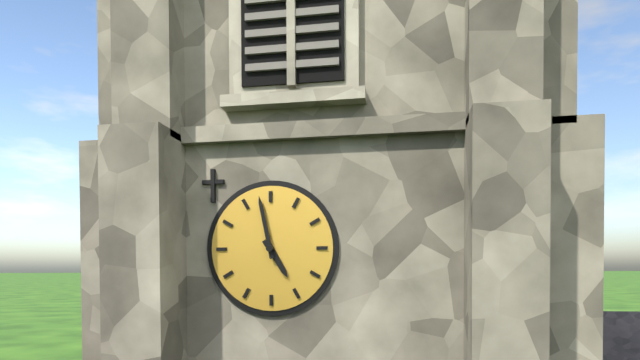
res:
4.58
